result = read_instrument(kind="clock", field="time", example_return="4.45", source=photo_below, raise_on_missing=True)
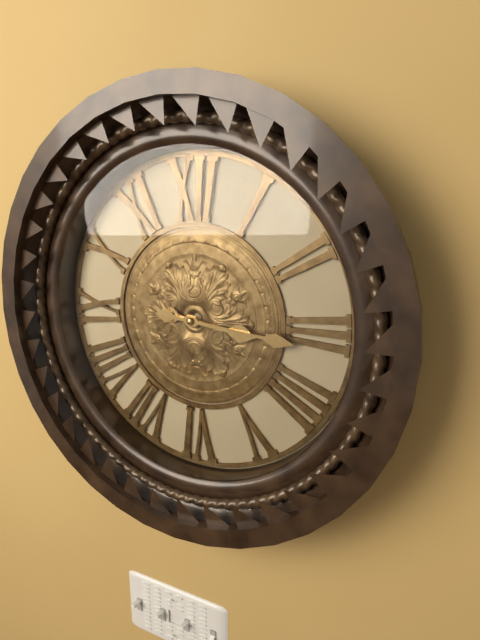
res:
3.16
